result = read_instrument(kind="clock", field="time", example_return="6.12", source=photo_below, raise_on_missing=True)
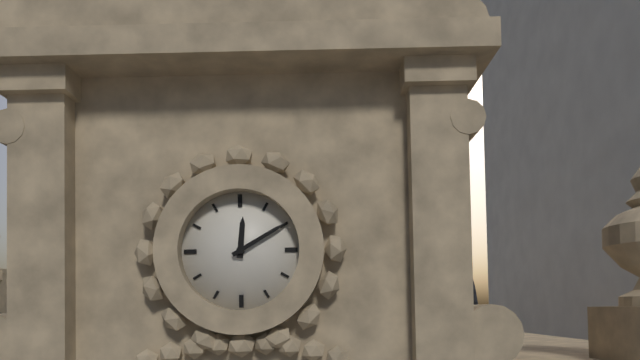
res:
12.10
